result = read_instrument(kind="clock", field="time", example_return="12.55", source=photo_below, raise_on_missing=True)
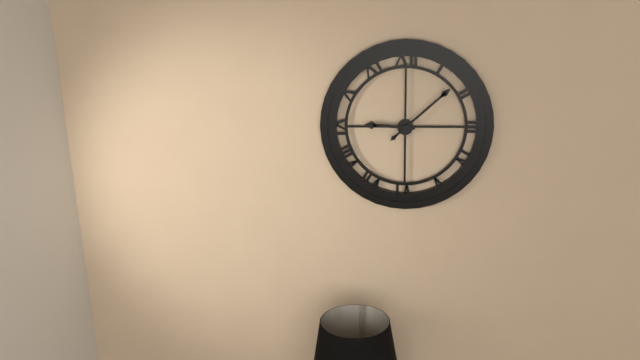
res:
9.08
